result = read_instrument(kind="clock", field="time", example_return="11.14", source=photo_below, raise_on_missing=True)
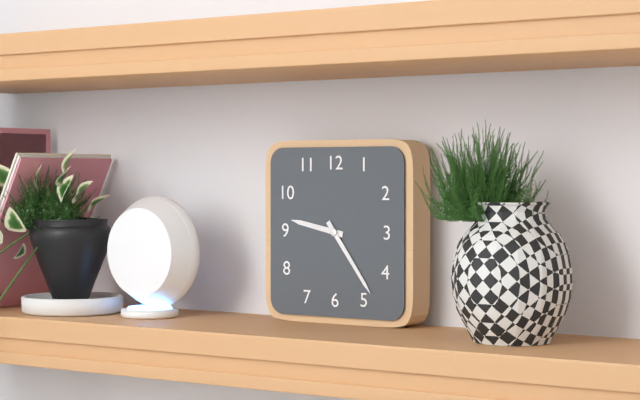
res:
9.24
